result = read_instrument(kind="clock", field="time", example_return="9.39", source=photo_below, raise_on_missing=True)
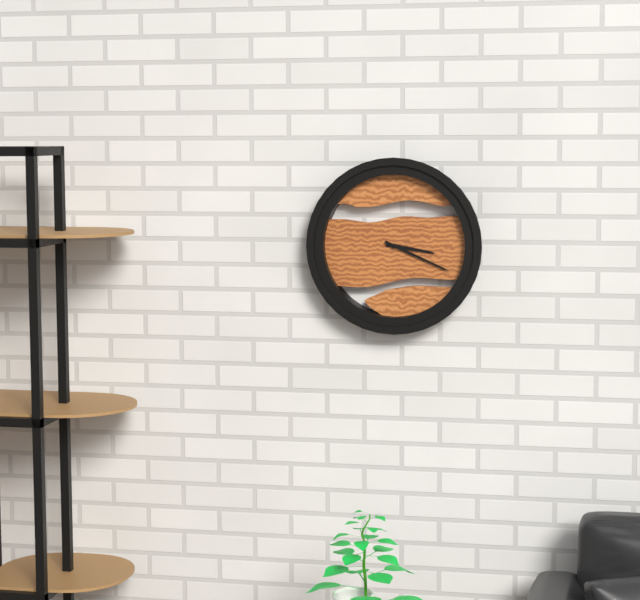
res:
3.19
